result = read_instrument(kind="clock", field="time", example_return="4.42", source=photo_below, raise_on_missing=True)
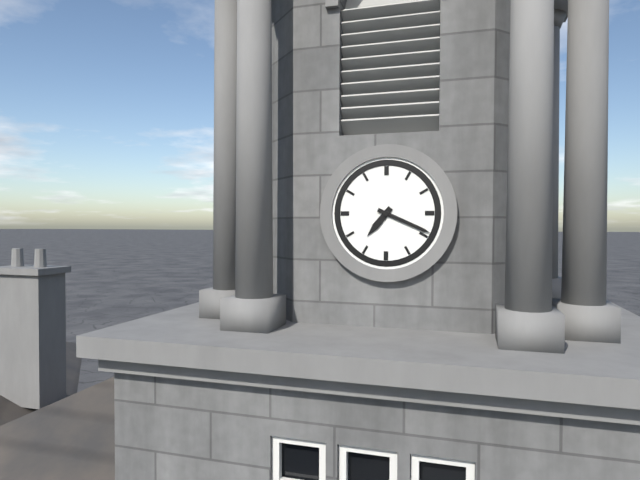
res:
7.19
